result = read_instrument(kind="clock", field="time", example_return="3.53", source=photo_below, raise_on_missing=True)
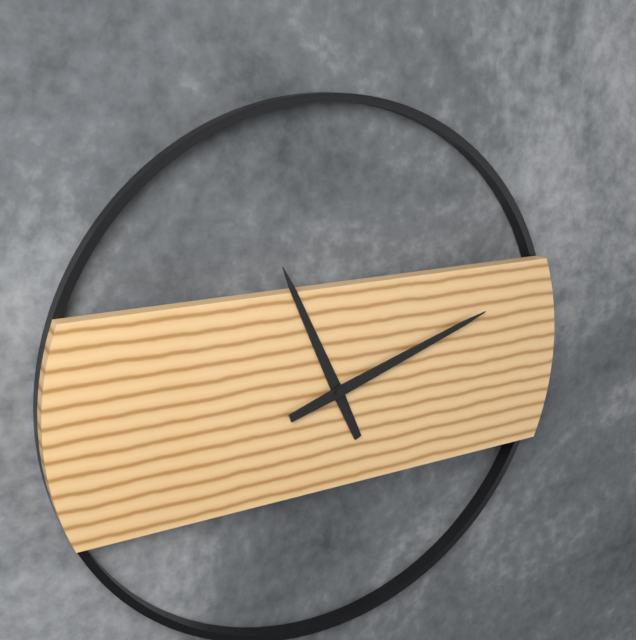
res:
11.12
